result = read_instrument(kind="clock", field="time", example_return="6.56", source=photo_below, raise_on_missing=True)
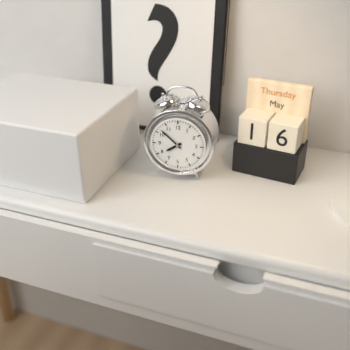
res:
7.52
